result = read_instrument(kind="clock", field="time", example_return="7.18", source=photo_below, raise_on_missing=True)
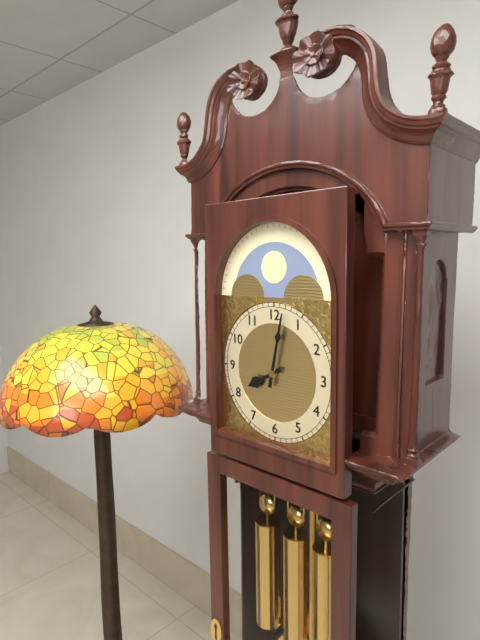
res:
8.02
